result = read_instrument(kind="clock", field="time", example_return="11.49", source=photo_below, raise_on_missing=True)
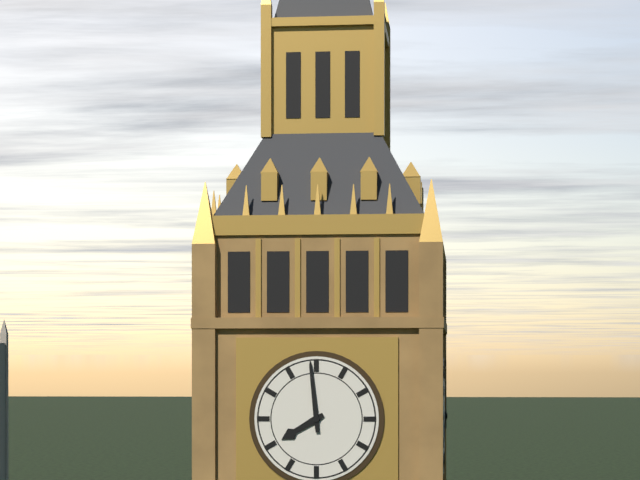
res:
7.59
